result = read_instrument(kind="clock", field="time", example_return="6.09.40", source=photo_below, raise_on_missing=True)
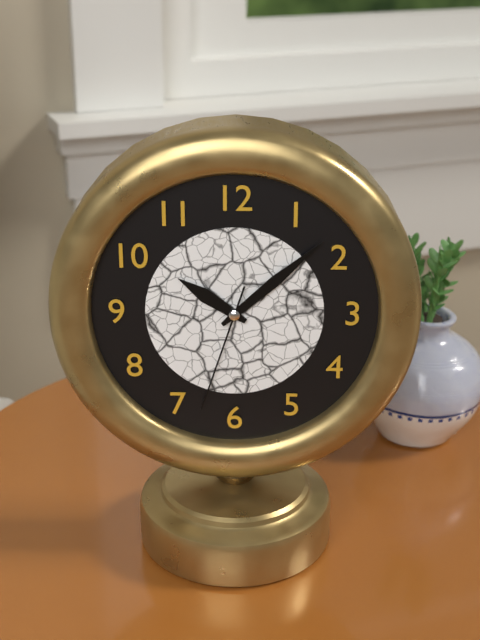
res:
10.08.33
